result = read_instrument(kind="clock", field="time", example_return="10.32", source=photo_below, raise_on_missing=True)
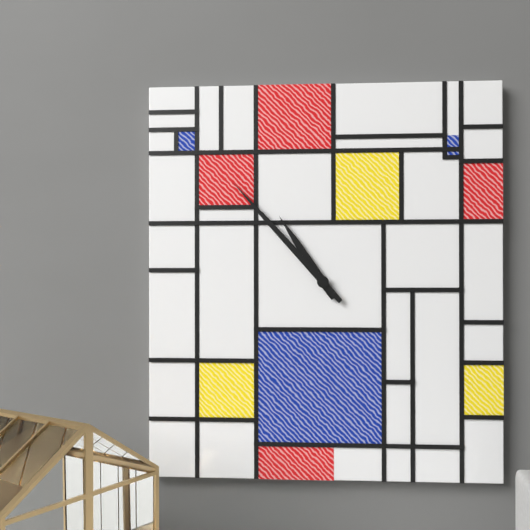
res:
10.53
